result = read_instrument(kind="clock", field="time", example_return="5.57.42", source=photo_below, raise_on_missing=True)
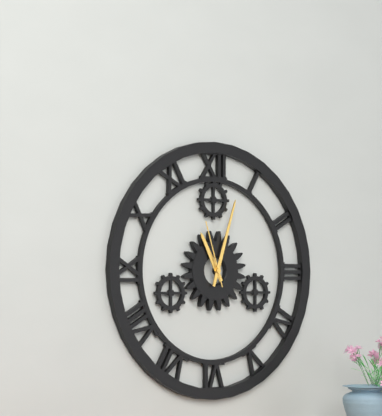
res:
11.03.57
